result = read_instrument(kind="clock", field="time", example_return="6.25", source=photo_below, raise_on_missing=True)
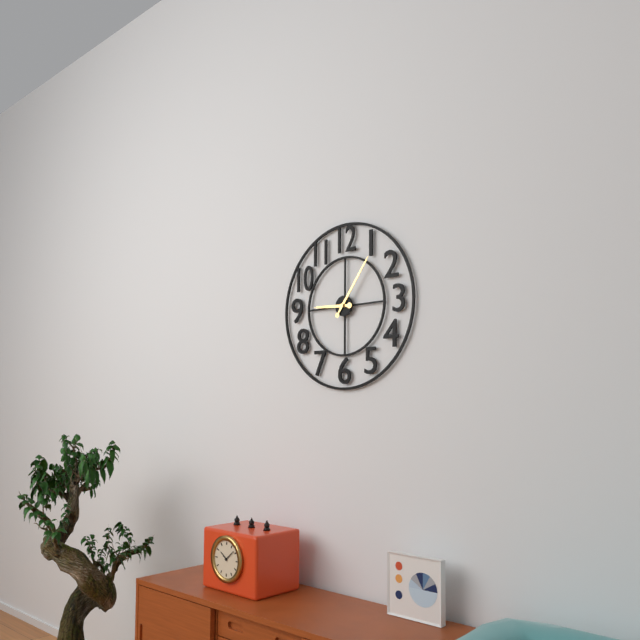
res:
9.06
